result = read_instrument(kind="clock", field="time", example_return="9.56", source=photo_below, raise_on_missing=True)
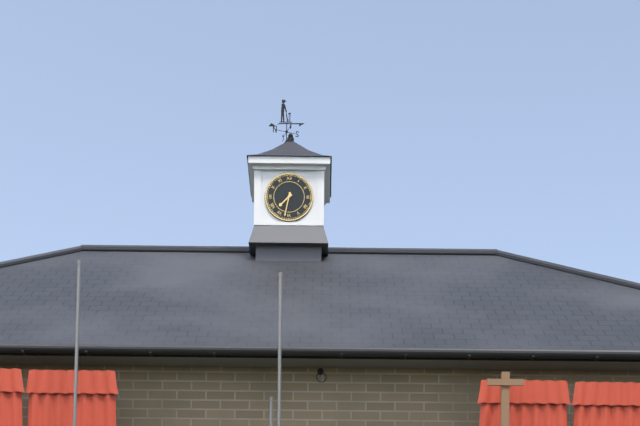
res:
7.32
